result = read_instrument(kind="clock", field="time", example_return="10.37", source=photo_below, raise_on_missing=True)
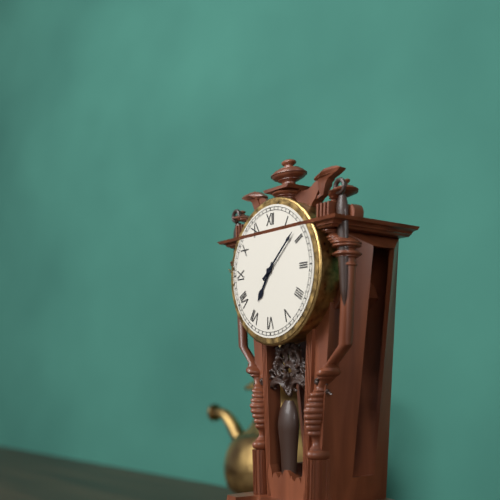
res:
7.08
